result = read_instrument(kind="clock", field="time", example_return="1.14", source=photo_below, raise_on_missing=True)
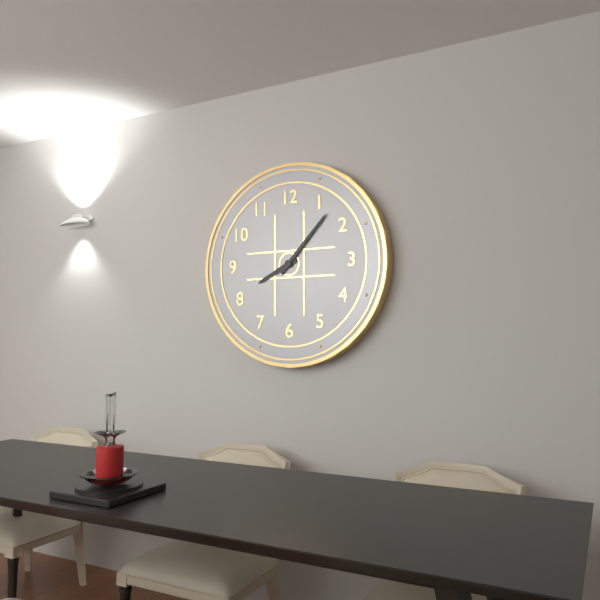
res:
8.07
